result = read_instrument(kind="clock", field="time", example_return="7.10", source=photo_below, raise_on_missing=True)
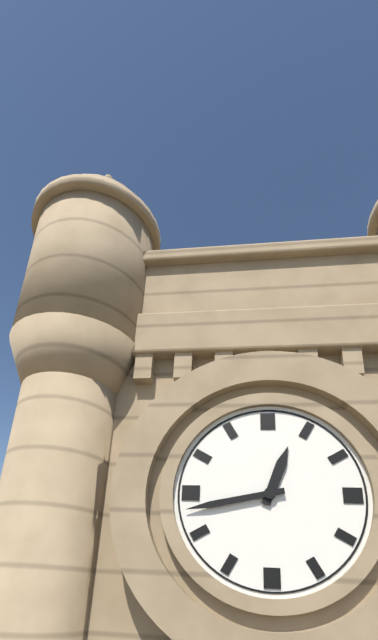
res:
12.43
